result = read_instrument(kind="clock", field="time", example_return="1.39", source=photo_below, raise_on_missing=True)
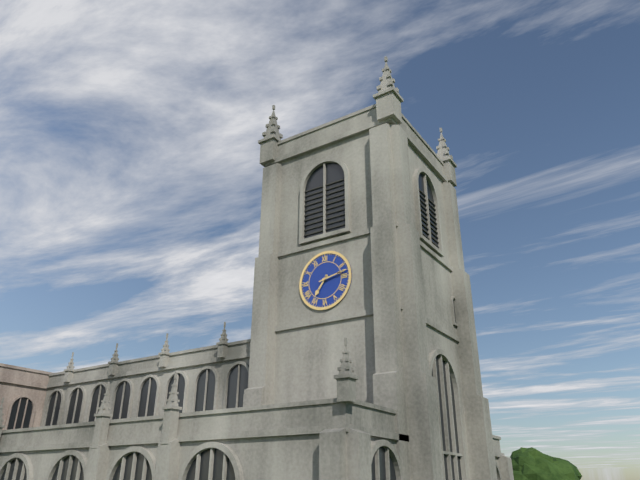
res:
7.13
